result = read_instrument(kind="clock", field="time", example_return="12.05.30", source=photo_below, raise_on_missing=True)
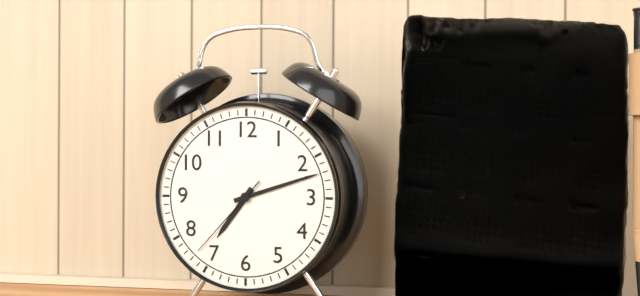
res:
7.12.37
